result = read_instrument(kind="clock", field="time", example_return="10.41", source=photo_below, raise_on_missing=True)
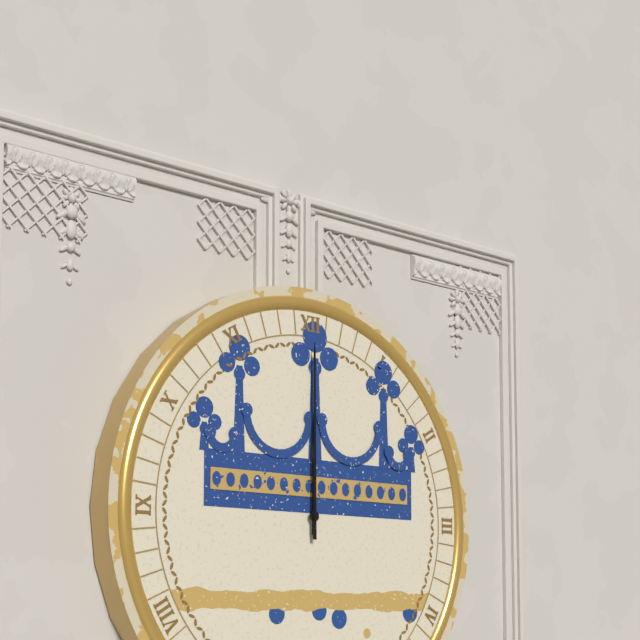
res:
12.00
